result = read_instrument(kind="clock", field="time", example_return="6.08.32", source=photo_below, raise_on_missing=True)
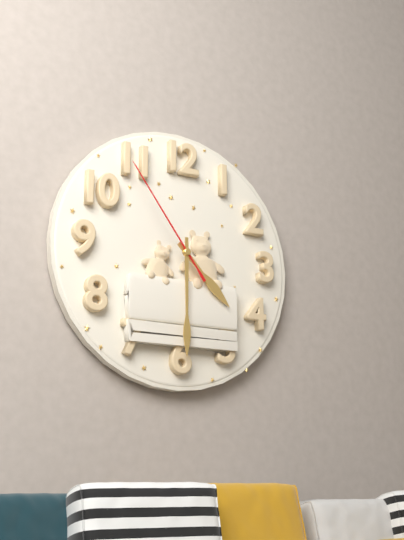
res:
4.30.54
